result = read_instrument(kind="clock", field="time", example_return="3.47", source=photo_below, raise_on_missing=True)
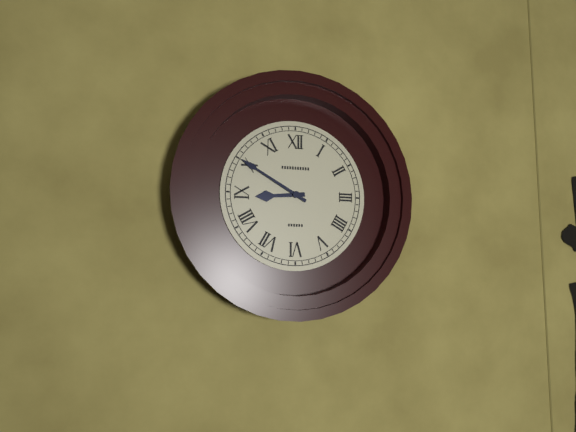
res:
8.50
